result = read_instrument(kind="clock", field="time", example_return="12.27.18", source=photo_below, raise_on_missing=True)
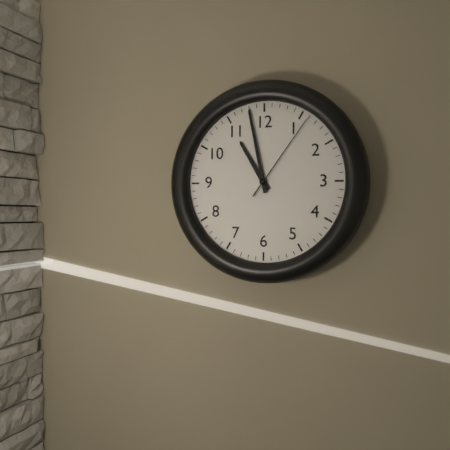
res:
10.58.06
